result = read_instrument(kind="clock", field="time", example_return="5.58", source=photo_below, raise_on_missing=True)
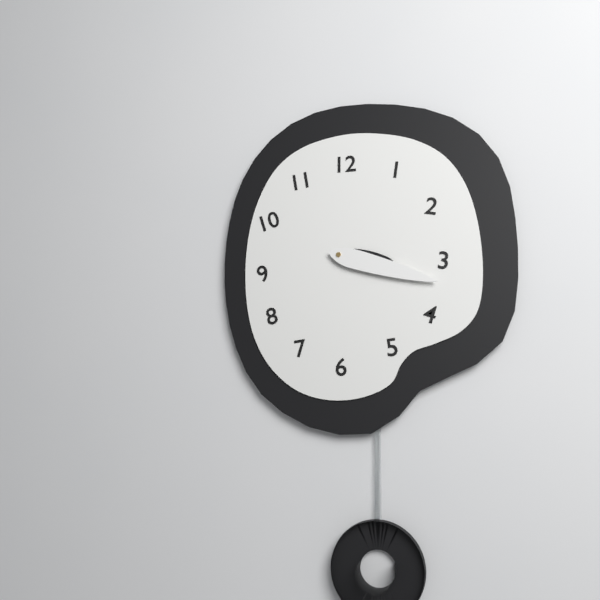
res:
3.18
